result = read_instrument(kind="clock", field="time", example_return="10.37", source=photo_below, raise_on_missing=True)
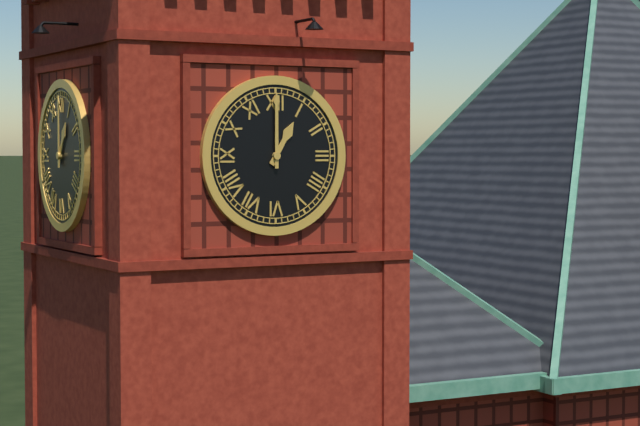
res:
1.00
